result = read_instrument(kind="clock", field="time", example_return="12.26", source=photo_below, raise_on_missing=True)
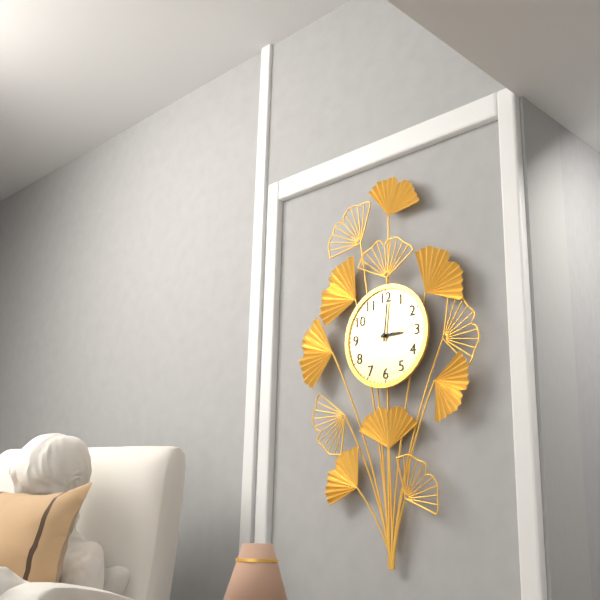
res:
3.01
